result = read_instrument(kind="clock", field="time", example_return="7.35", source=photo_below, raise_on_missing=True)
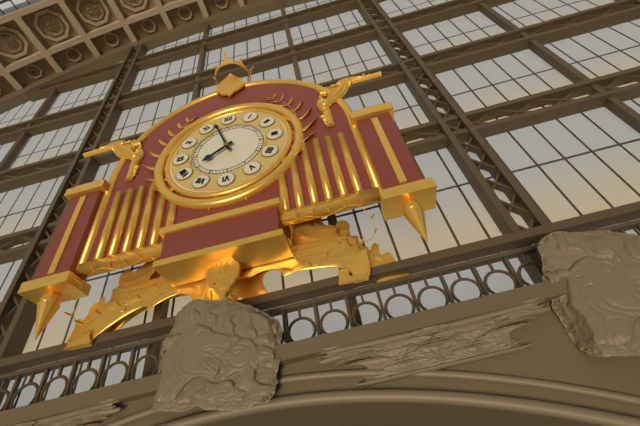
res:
7.57
